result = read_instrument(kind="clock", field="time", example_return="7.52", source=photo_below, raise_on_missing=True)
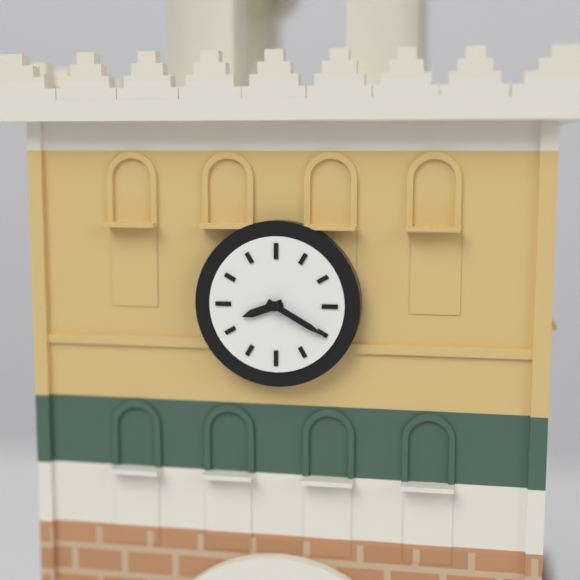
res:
8.20
